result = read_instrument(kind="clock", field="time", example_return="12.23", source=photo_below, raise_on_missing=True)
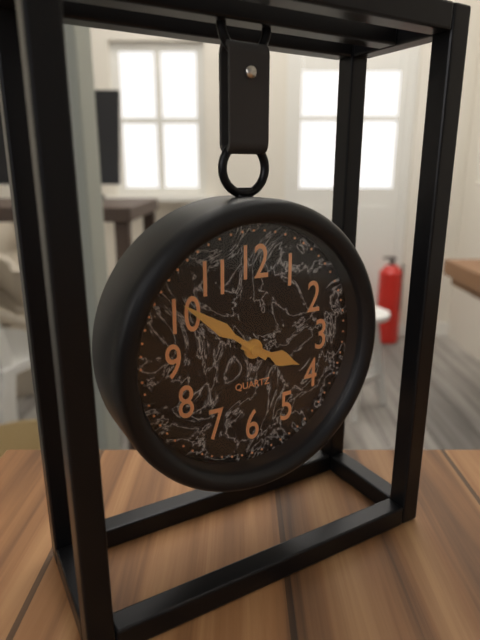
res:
3.51
